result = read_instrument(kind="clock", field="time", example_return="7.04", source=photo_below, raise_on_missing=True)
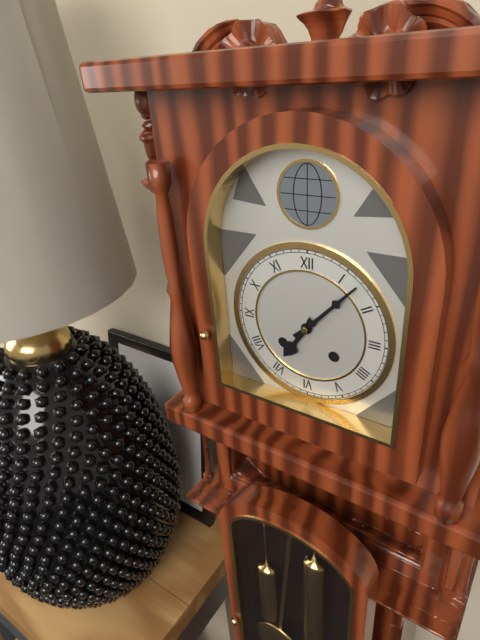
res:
7.07
